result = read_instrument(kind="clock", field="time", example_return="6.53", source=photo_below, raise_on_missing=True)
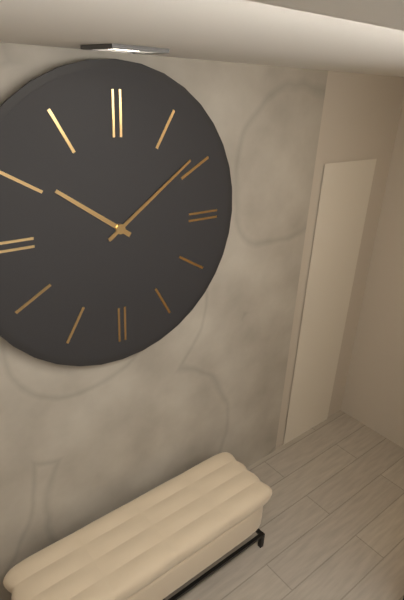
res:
10.09
